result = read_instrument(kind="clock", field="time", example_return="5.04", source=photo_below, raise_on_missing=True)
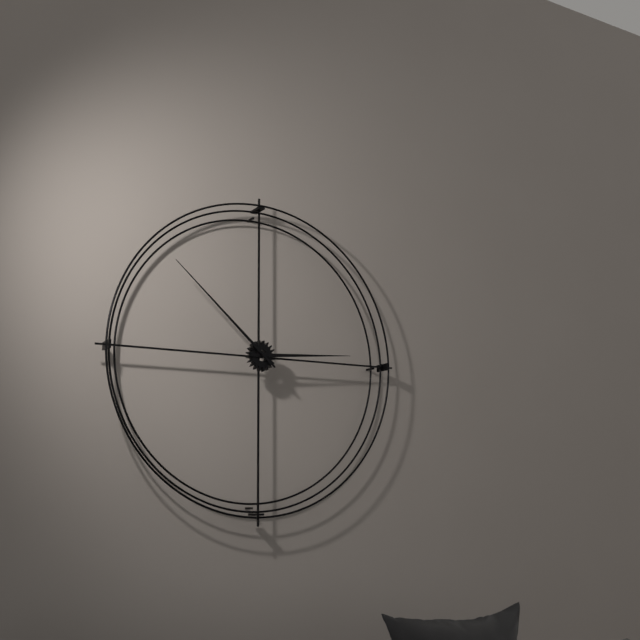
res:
2.52
